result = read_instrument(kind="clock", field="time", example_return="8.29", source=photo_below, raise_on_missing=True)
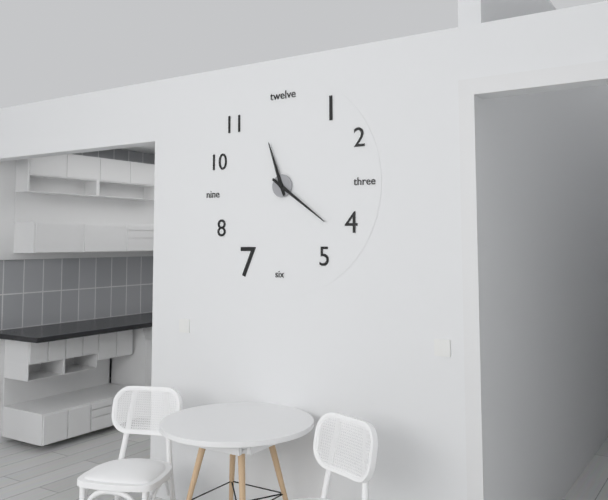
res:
11.21
